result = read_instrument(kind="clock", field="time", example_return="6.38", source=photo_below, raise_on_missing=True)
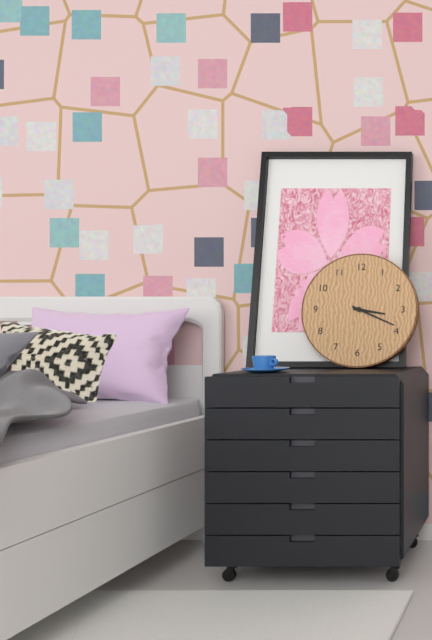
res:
3.19
